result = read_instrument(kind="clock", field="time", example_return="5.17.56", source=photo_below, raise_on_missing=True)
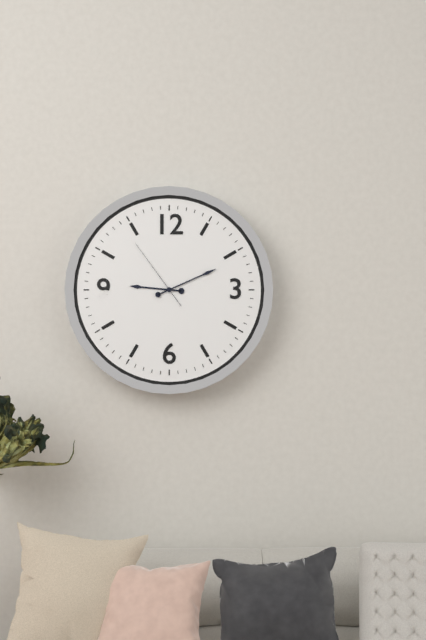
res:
9.11.54
